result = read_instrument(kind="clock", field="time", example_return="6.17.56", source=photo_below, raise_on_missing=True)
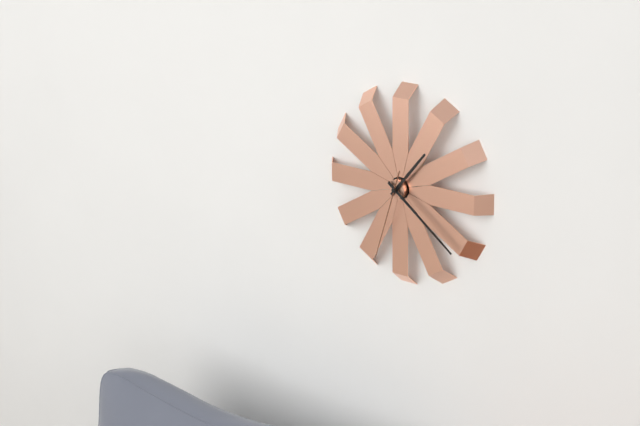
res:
1.21.33
